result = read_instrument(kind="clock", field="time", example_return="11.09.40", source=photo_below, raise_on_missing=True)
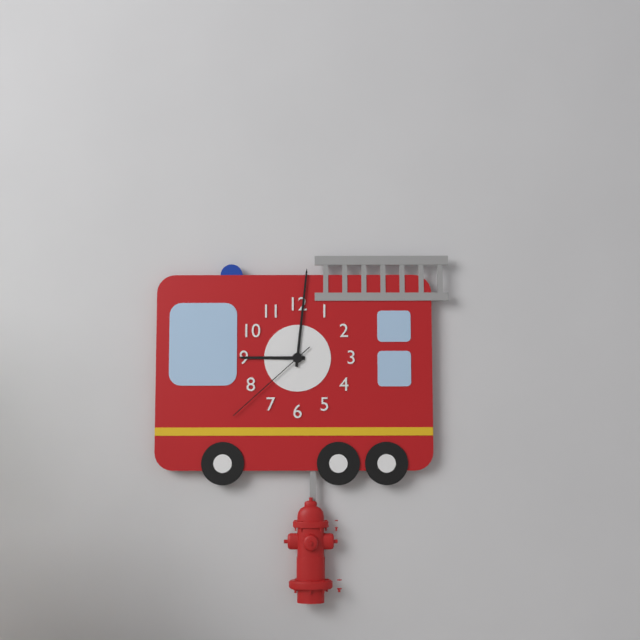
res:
9.01.38
